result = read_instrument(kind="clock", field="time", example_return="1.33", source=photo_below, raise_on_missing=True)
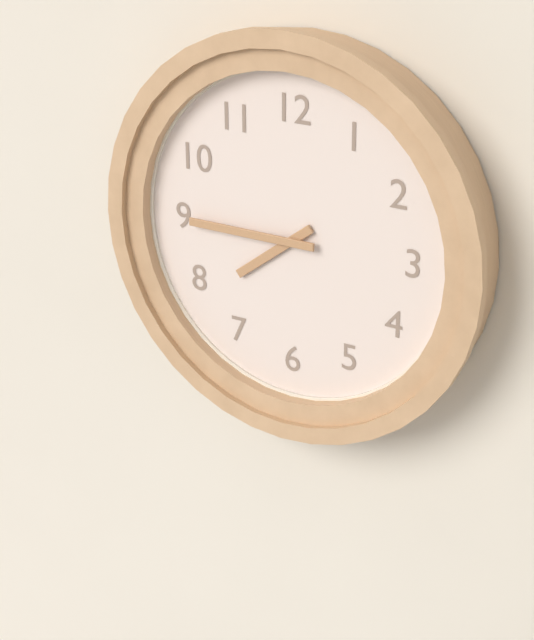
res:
7.45
